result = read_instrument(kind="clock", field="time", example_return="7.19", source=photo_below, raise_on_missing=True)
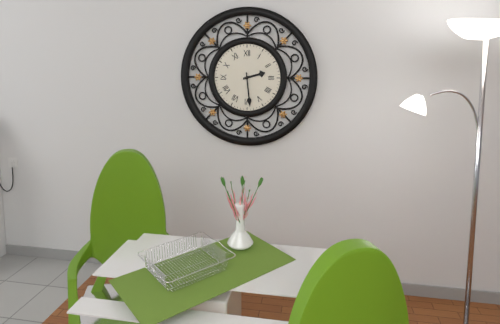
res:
2.29
